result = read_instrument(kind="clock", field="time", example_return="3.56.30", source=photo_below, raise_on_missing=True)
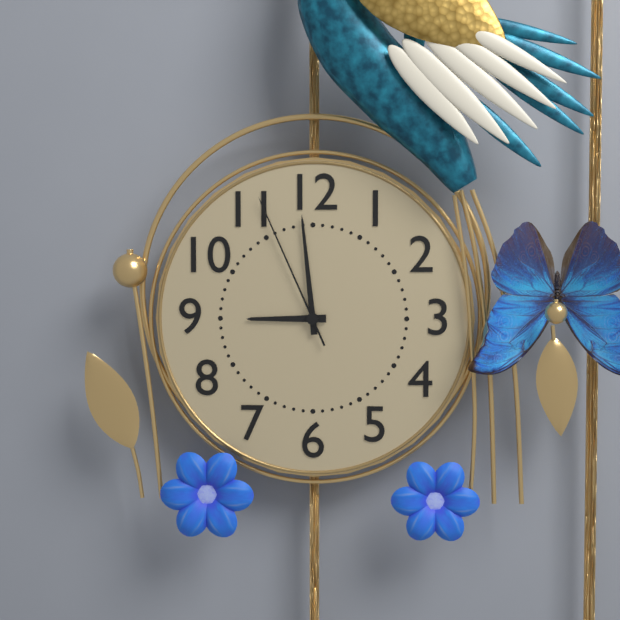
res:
8.59.56
